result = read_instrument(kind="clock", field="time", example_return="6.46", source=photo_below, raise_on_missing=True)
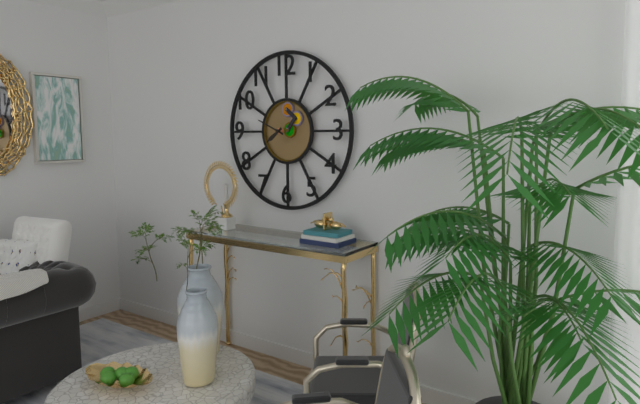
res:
7.49
